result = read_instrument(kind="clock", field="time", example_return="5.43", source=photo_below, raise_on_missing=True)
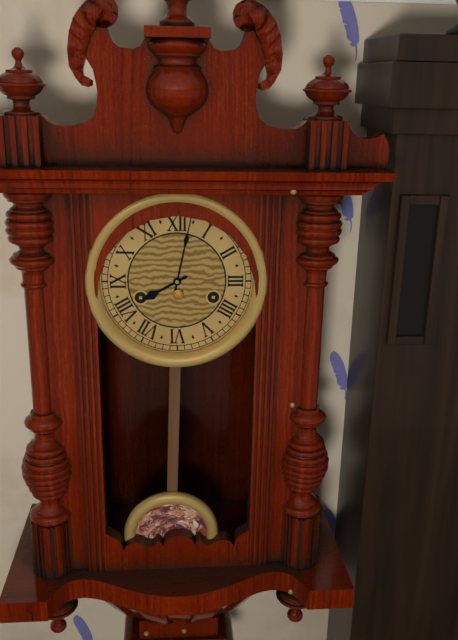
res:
8.02
